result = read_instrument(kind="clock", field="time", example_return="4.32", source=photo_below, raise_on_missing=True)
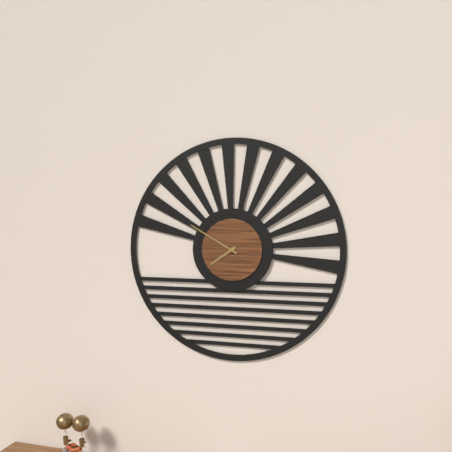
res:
7.50
